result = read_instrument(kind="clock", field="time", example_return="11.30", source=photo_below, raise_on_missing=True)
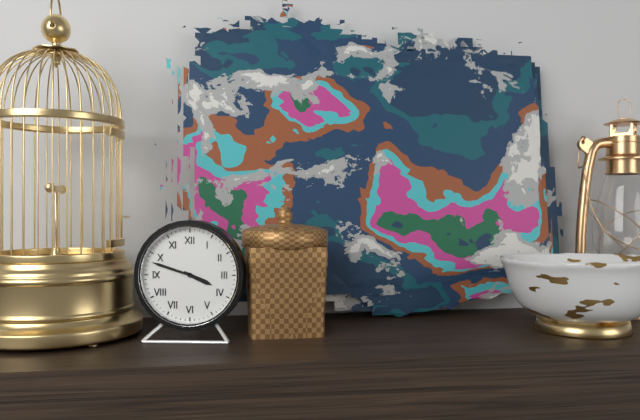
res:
3.48
